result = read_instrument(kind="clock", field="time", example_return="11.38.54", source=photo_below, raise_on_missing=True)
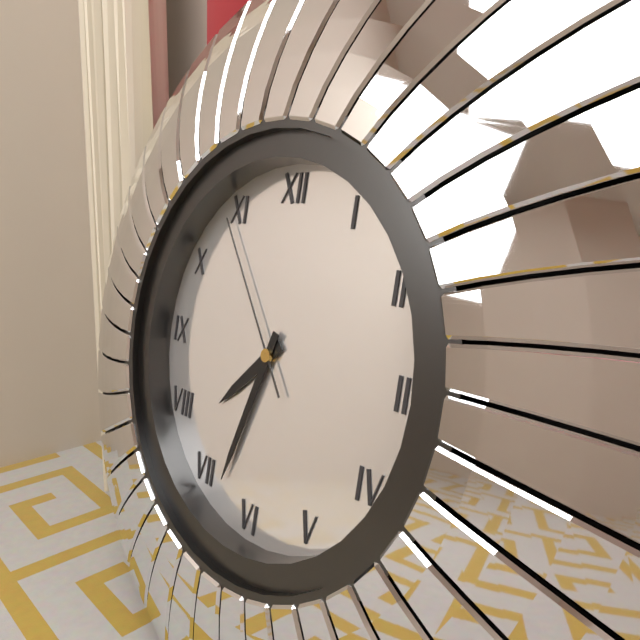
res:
7.33.54
